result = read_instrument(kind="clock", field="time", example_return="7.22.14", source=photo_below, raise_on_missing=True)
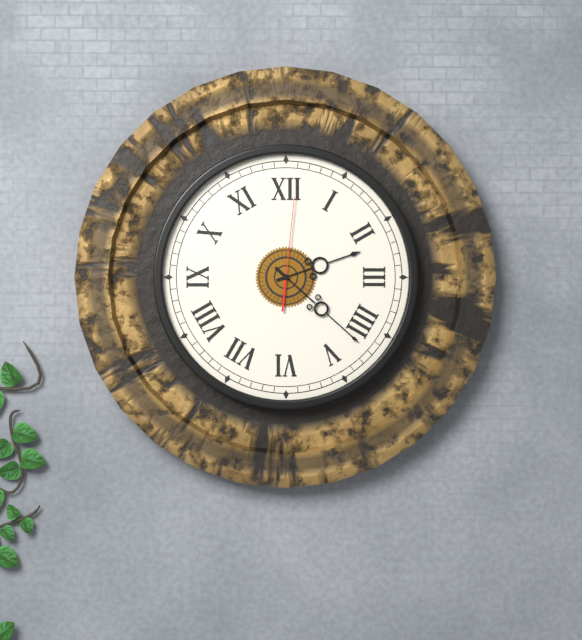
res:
2.22.01
